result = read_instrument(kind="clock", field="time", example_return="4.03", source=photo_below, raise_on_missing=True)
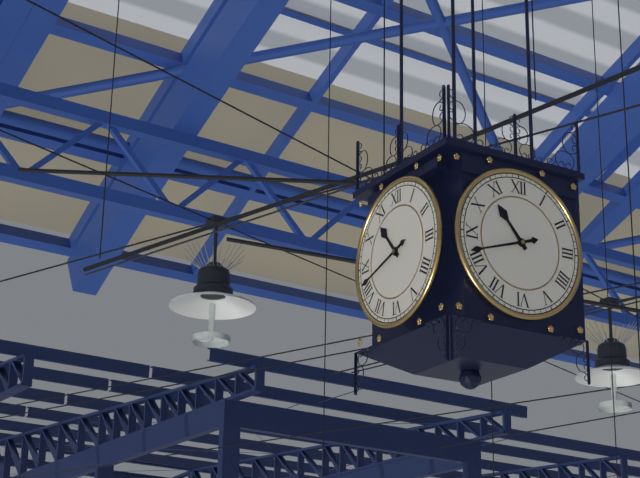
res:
10.42
